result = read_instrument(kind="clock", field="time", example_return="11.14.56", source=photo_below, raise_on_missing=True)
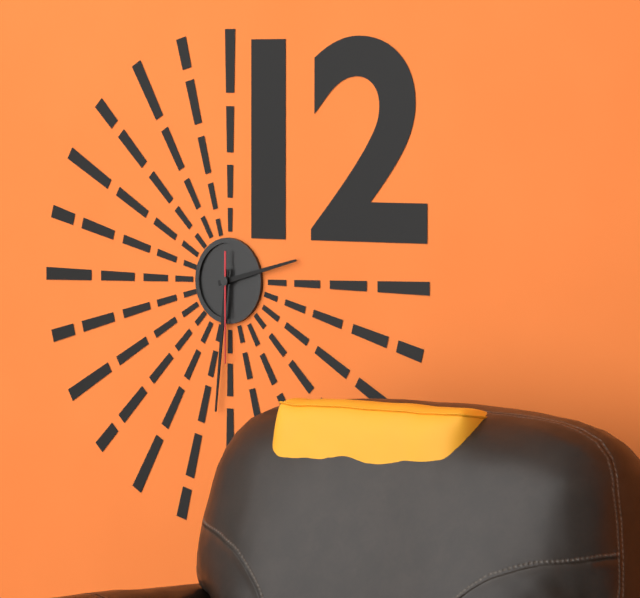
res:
2.31.30
